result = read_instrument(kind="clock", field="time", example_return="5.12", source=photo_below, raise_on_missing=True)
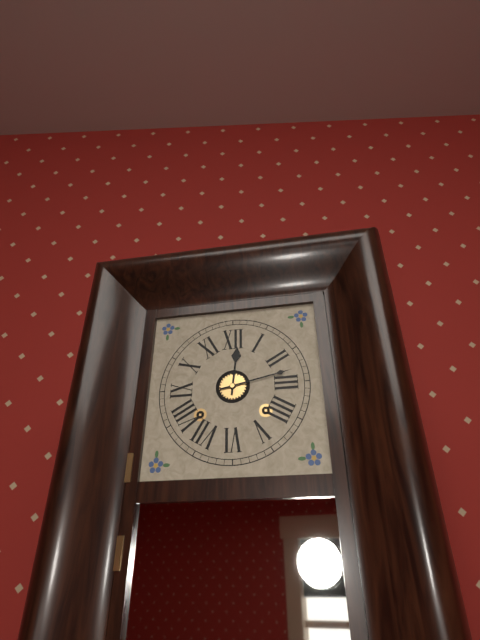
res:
12.13
